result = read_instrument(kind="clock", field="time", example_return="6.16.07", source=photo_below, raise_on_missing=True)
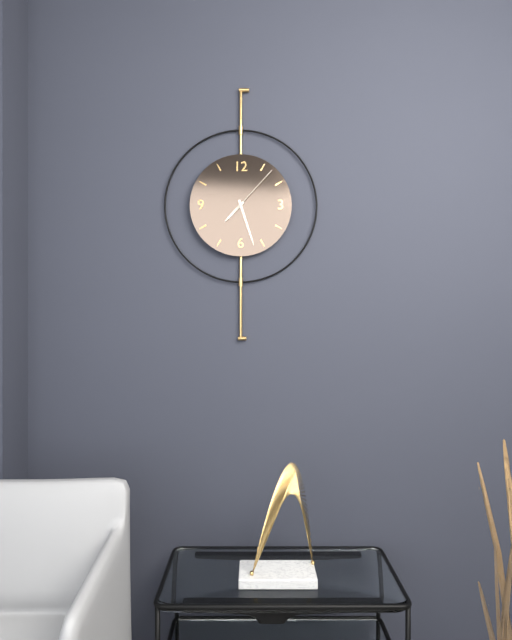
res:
7.27.07
